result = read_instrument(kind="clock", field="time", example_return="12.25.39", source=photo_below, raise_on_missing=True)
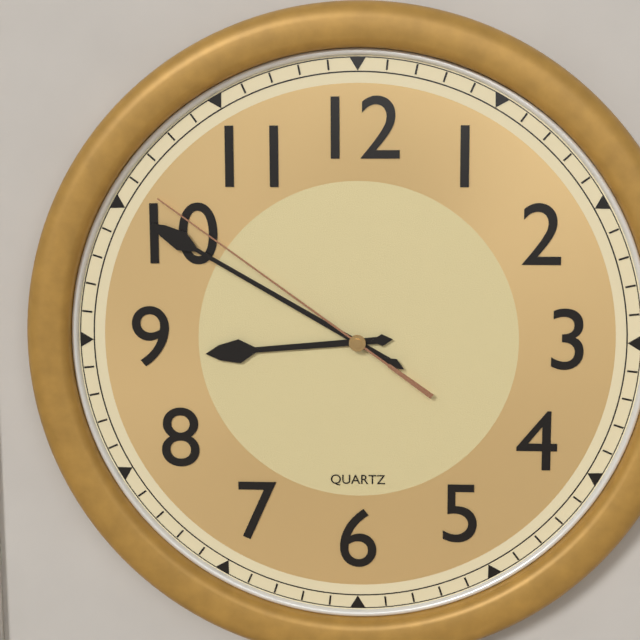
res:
8.50.51
